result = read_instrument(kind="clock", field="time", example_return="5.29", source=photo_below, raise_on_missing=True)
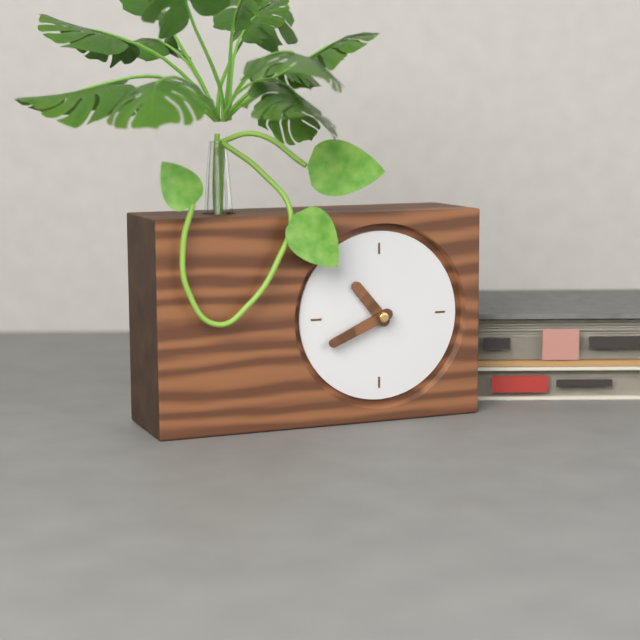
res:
10.41
